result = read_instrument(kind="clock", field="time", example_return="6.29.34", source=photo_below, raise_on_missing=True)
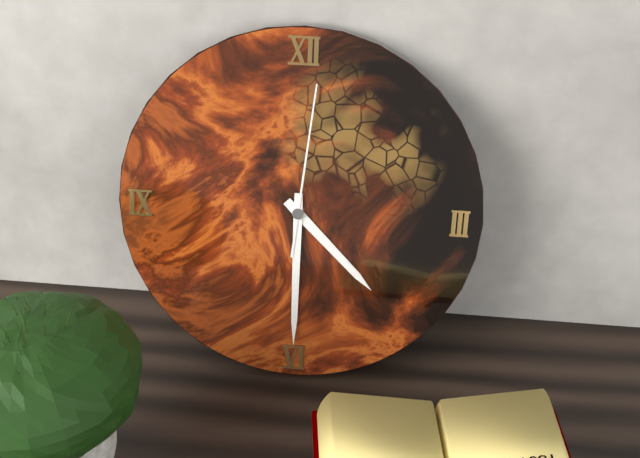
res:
4.30.01
